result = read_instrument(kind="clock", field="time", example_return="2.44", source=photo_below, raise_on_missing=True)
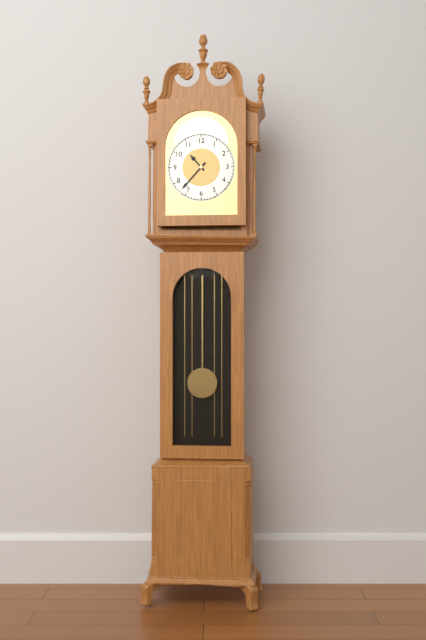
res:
10.37
